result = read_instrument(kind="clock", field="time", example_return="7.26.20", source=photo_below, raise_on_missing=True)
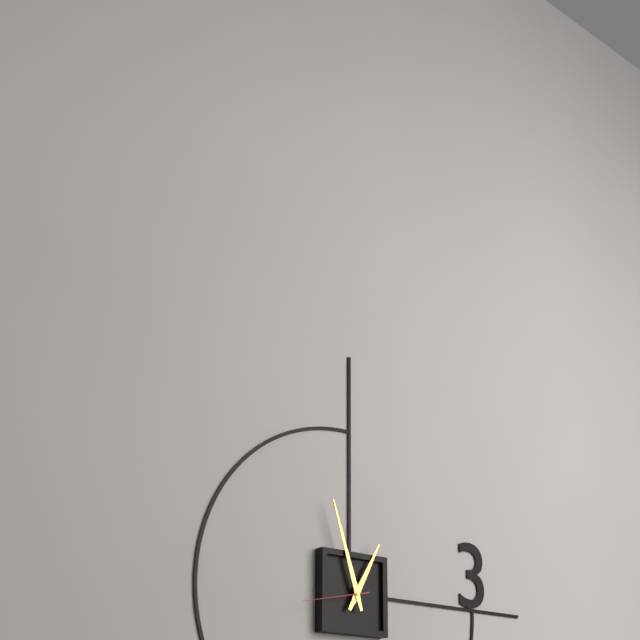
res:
12.57.43
